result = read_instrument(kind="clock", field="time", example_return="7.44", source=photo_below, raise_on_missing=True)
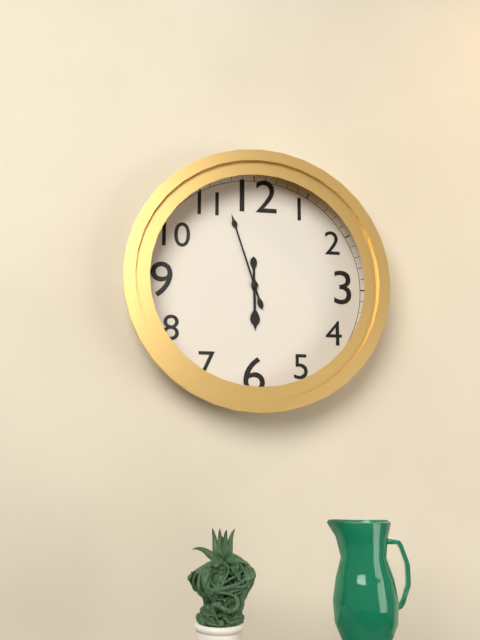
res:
5.57
